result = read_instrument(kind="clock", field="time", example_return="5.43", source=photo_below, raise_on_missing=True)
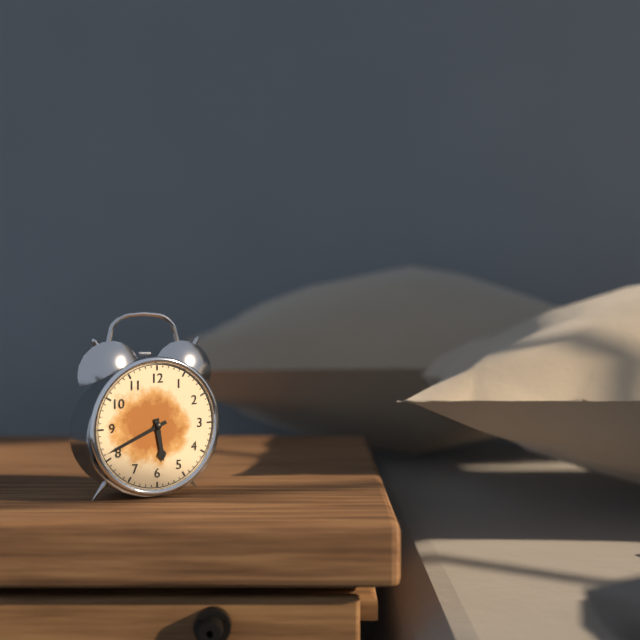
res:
5.41
